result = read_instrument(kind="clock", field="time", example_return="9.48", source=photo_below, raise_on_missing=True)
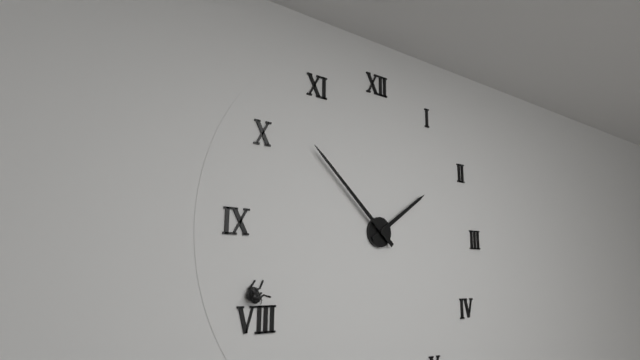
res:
1.52
